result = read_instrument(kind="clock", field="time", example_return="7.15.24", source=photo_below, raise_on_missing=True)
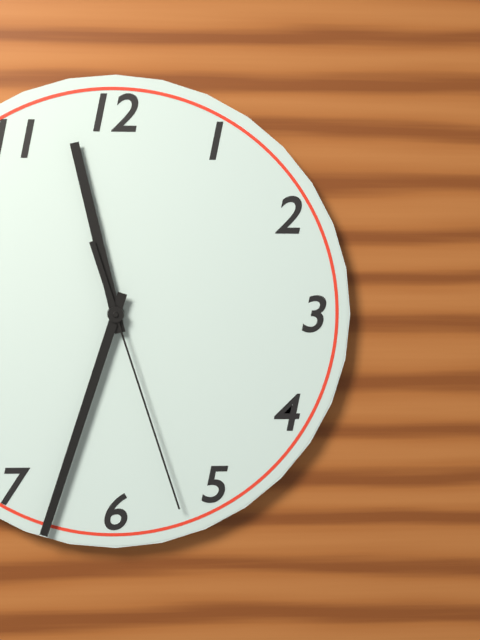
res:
11.33.27
